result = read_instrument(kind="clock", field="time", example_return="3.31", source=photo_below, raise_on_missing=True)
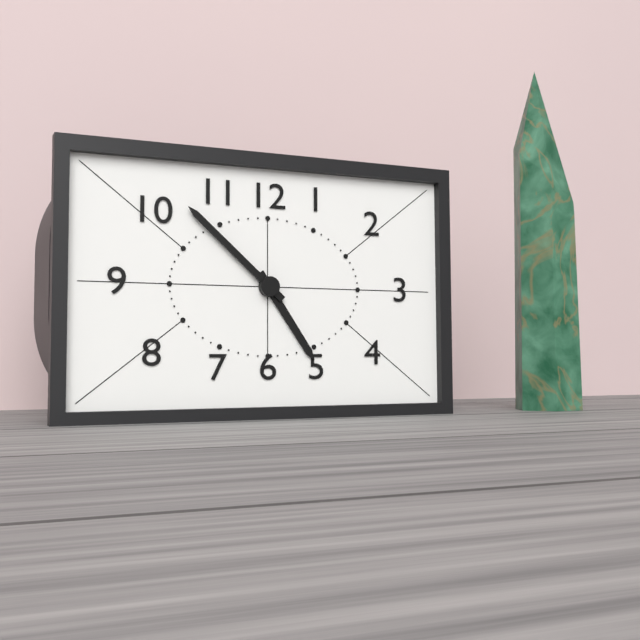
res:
4.52
